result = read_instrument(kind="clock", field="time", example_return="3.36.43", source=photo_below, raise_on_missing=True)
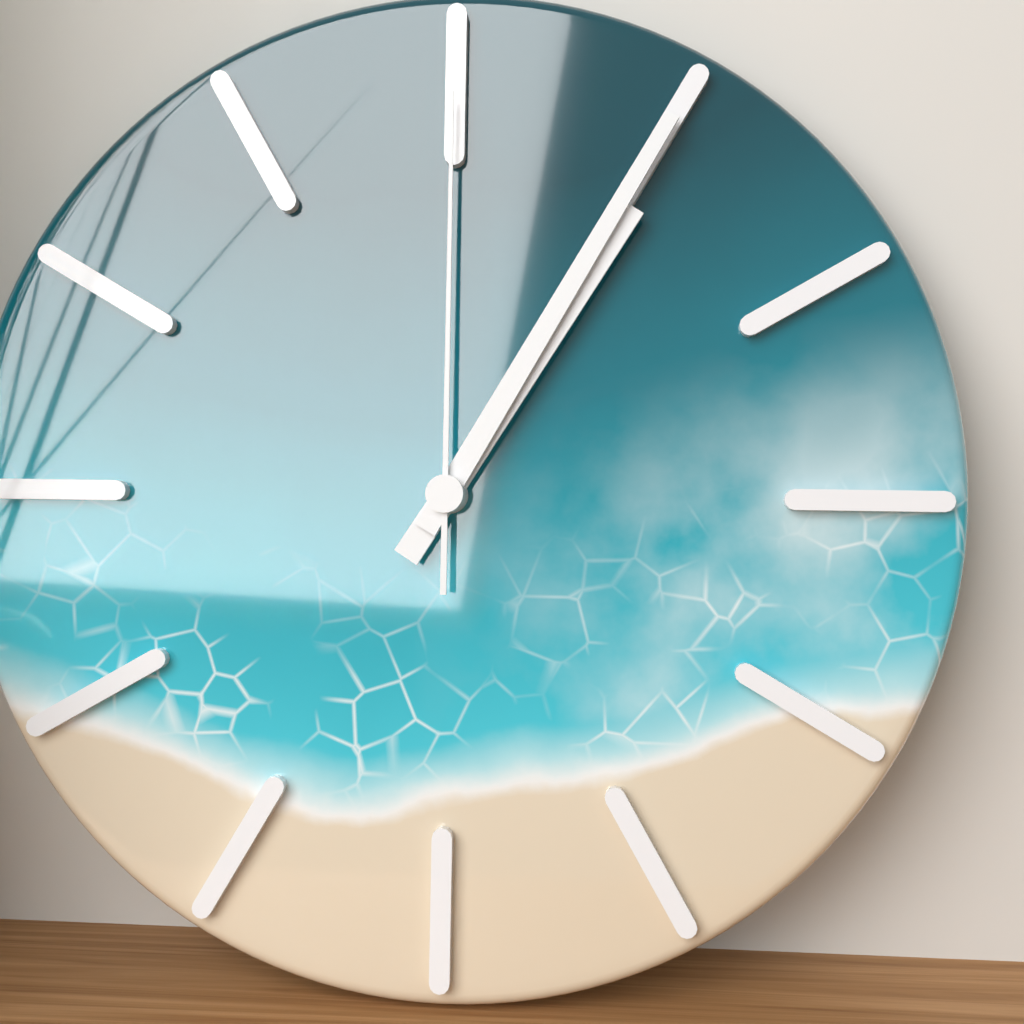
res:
1.05.00
